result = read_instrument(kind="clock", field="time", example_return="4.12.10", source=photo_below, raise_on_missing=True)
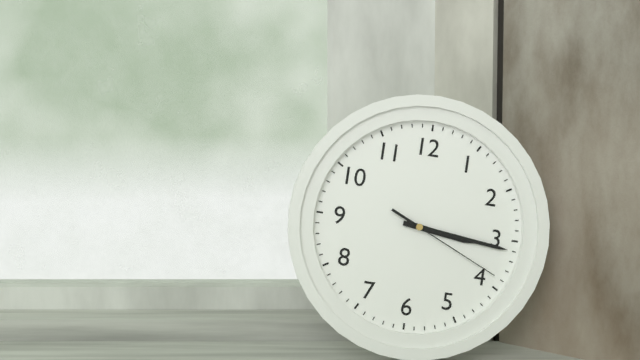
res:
3.16.19
